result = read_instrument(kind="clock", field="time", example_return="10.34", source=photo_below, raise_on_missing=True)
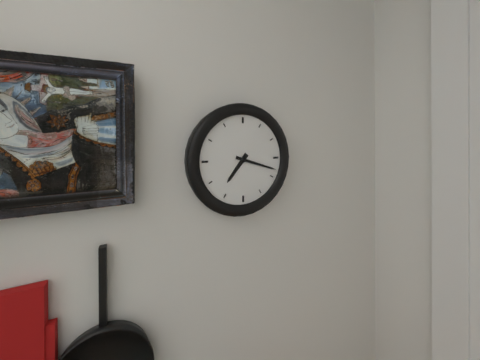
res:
7.18
